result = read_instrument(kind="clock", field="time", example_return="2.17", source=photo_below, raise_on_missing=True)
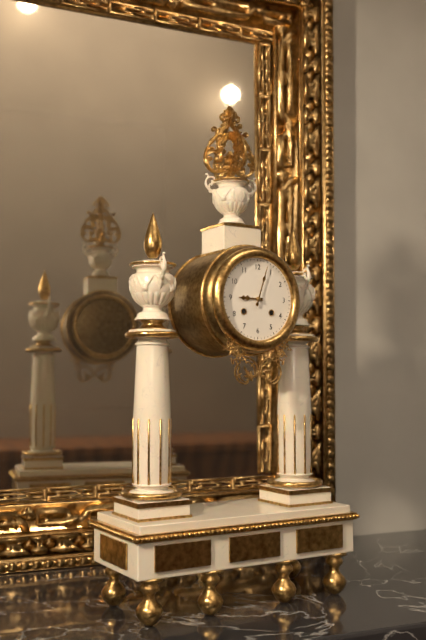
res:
9.03
